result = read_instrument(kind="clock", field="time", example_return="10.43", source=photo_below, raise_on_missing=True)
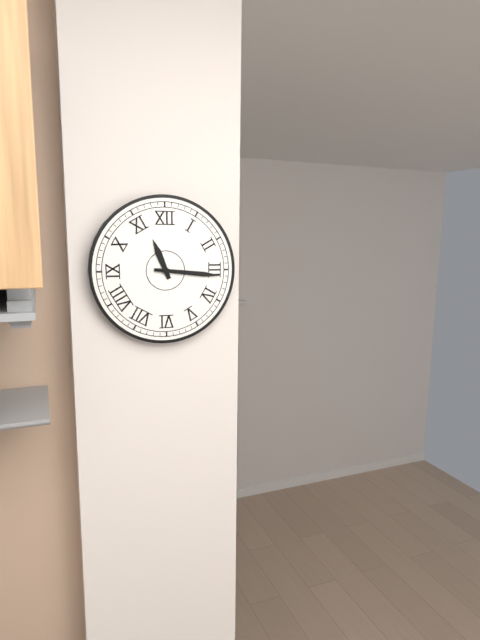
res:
11.16
